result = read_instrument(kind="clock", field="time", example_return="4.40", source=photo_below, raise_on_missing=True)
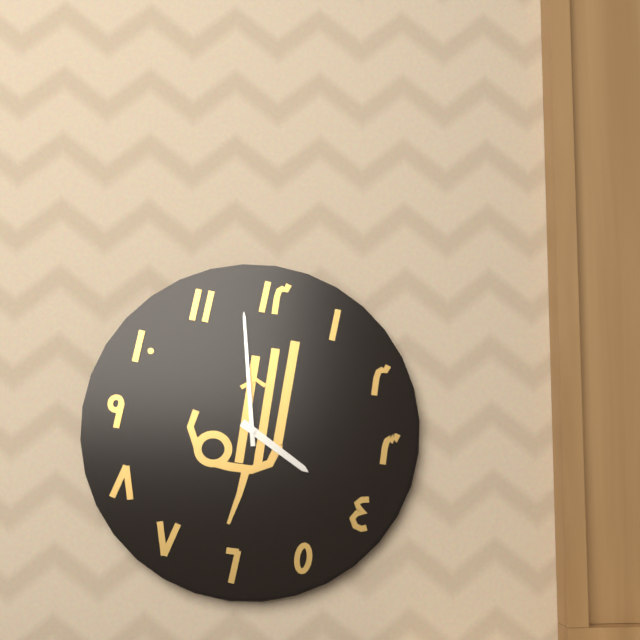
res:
3.58
